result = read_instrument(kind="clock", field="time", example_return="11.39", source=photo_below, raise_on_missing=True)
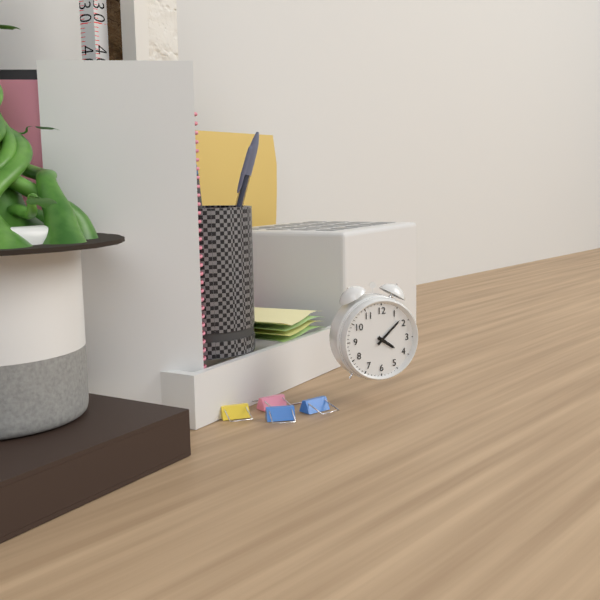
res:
4.08
